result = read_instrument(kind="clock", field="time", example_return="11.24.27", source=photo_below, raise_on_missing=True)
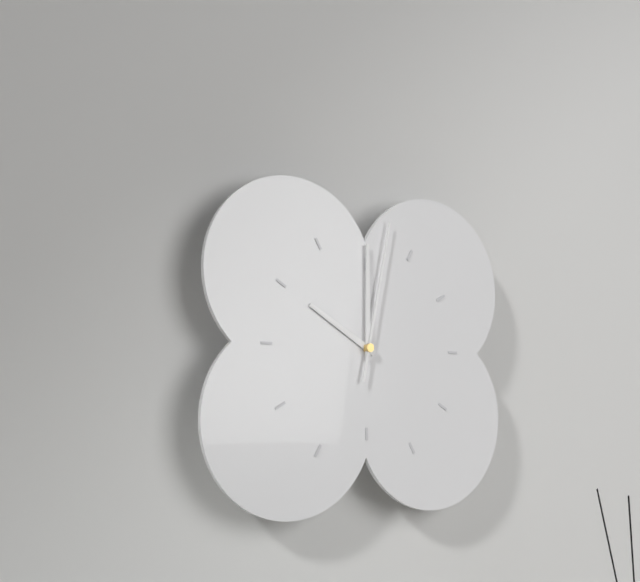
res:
10.00.02
